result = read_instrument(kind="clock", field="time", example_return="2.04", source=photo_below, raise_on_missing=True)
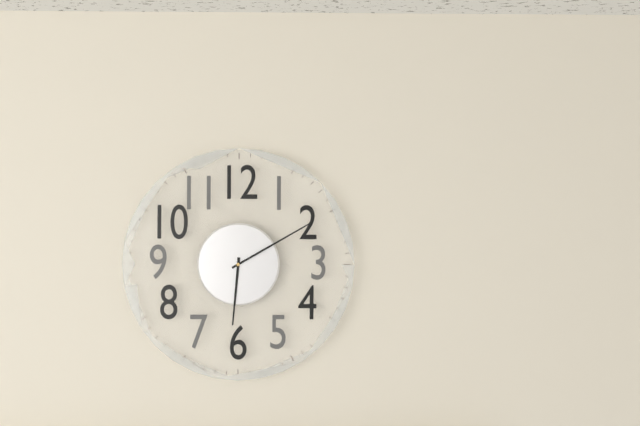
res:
6.10
